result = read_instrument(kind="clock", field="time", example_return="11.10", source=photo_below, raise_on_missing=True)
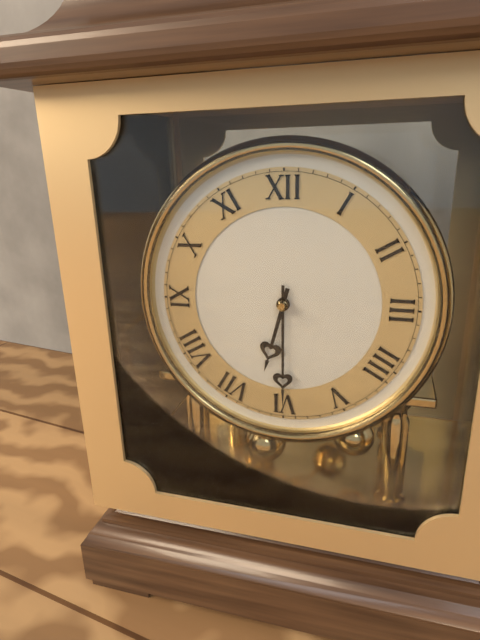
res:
6.30
